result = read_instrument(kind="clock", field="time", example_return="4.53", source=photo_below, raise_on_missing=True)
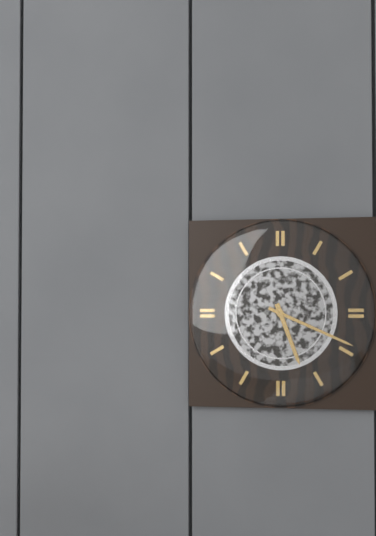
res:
5.19
